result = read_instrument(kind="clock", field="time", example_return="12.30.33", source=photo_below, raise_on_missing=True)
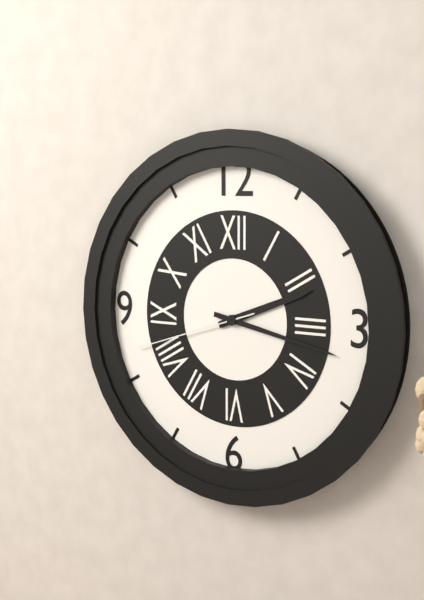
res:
2.17.42
